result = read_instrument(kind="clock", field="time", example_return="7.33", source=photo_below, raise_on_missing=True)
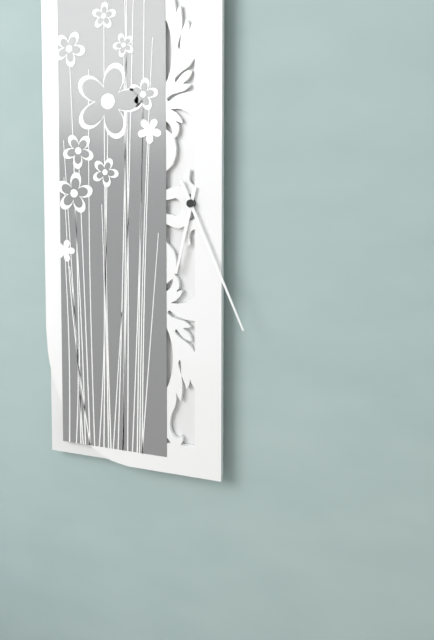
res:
6.26
